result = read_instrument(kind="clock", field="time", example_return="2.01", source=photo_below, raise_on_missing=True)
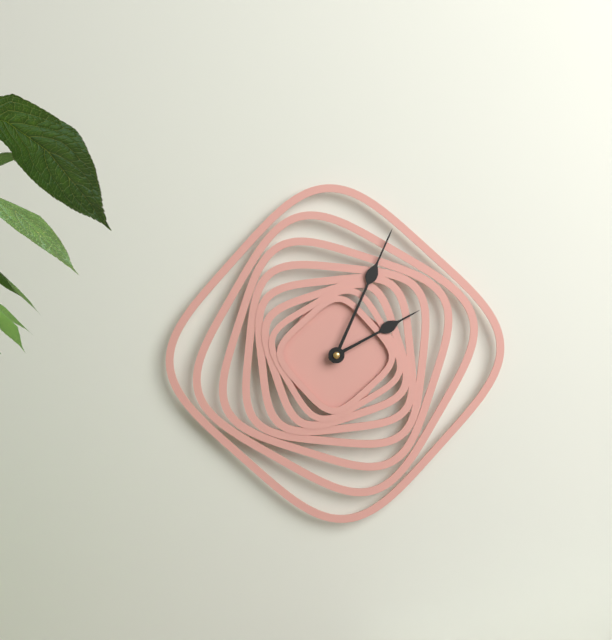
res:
2.04
